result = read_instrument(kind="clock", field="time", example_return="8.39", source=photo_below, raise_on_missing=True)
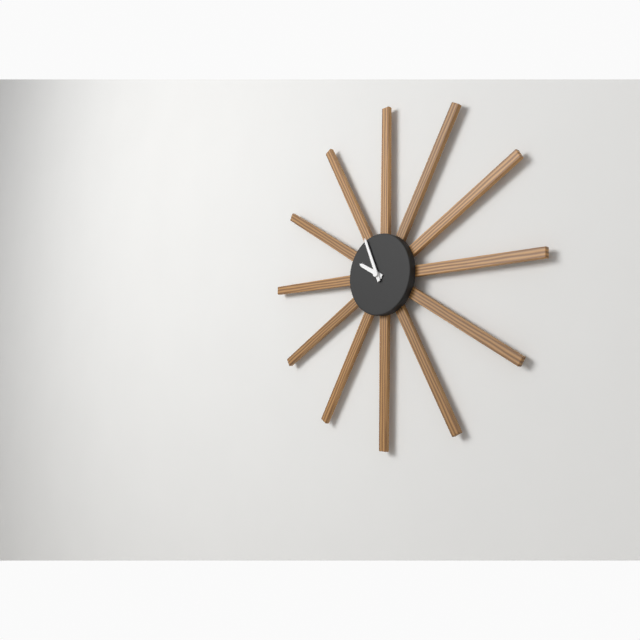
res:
9.56
